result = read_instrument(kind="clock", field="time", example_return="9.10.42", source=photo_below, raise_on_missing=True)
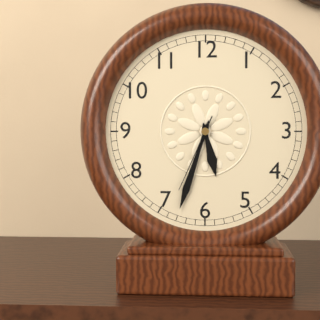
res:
5.33.34
